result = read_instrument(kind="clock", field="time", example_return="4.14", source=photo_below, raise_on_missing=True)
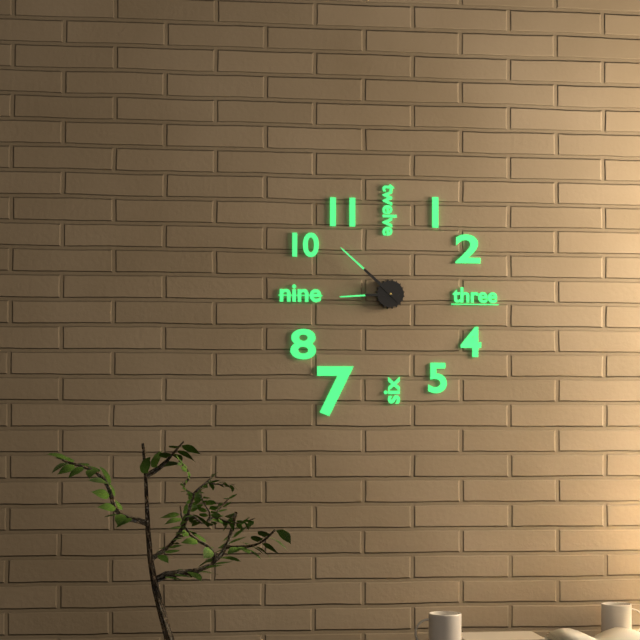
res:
8.52
